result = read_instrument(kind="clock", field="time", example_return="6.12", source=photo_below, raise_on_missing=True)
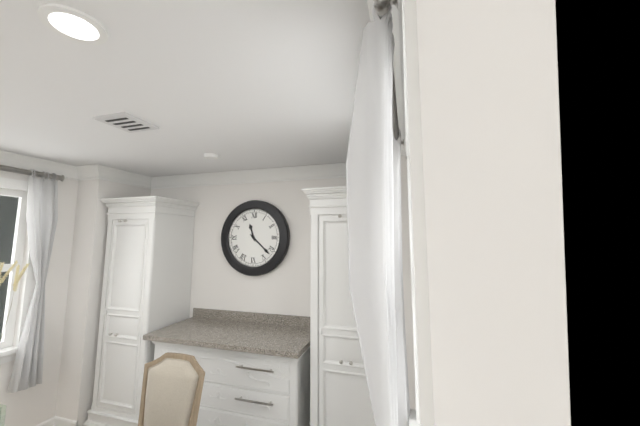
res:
11.22
